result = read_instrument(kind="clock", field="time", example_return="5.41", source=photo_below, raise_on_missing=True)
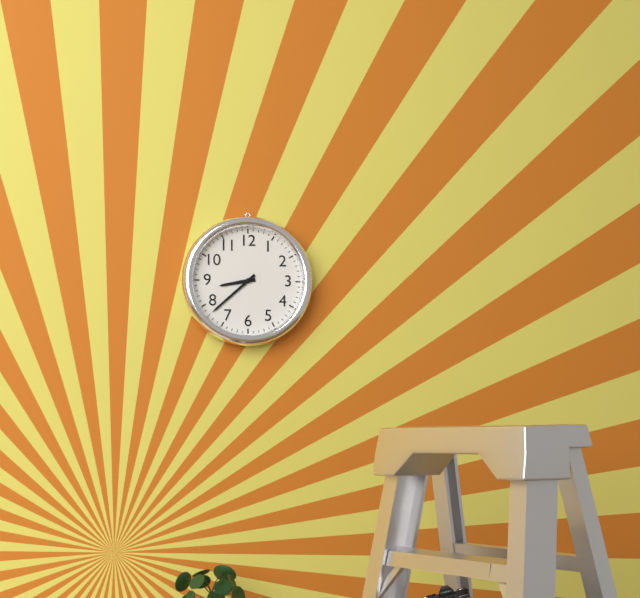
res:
8.38
